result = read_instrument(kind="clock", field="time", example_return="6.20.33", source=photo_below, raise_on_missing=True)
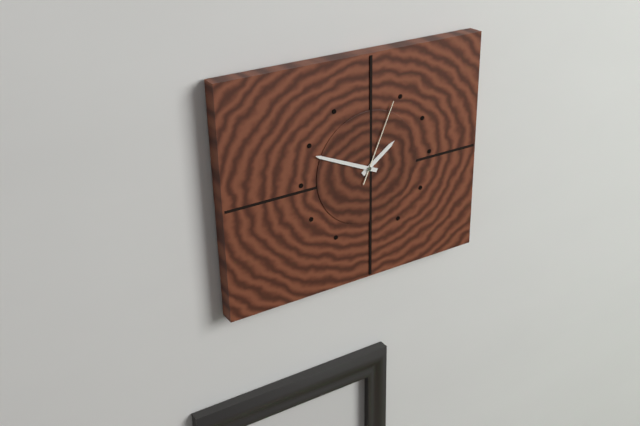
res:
1.49.04
